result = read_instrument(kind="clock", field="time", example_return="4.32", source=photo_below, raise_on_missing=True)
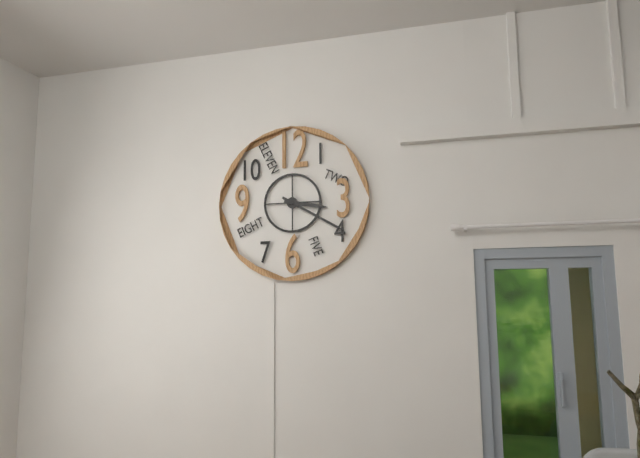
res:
3.20
